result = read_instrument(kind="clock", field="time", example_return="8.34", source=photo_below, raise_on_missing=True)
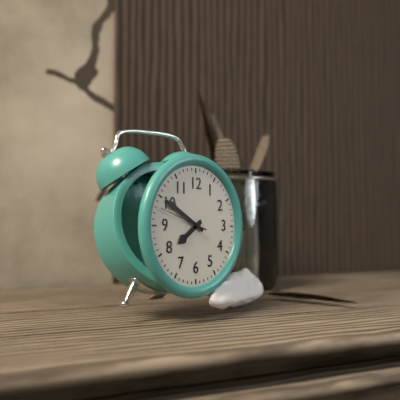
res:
7.50
